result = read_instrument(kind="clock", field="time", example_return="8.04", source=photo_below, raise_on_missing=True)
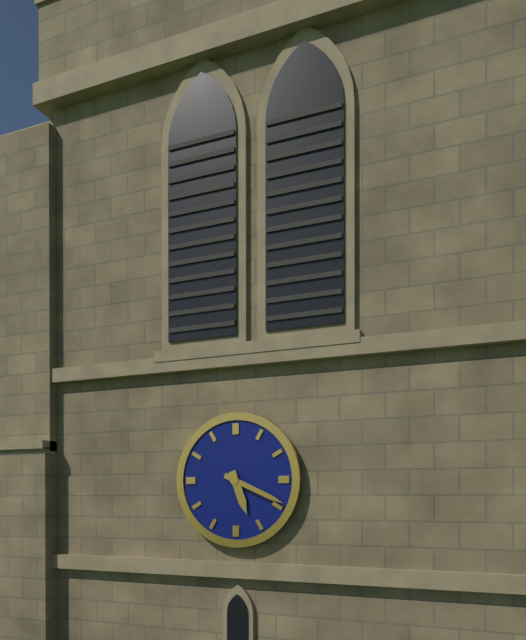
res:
5.19
